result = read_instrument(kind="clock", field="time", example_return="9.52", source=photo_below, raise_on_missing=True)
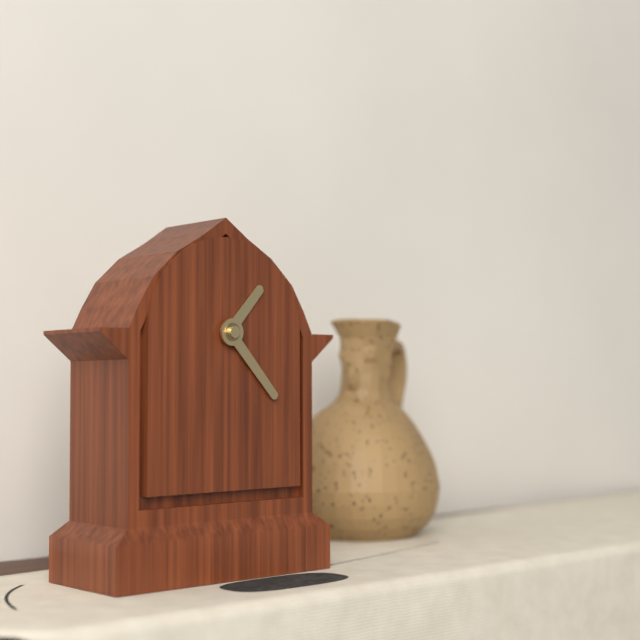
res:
1.23
